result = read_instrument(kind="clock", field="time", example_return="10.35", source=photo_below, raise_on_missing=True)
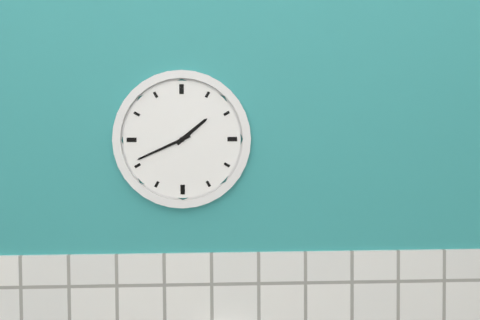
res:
1.41
